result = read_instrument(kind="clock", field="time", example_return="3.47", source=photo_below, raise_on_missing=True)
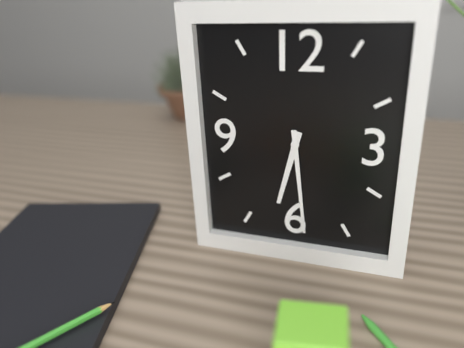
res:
6.29
